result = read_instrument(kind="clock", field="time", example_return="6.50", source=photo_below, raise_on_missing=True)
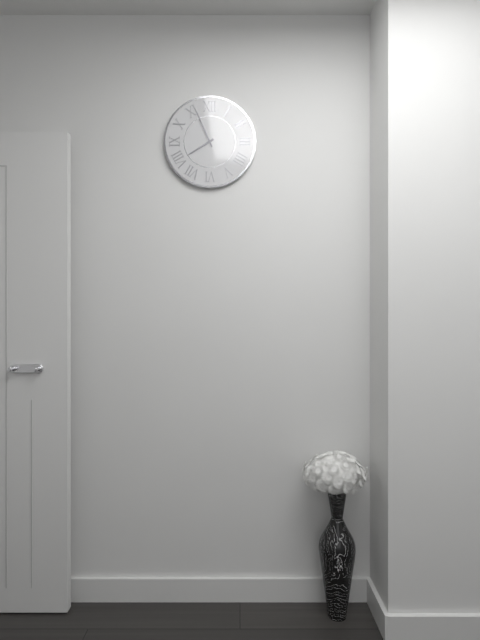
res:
7.56
